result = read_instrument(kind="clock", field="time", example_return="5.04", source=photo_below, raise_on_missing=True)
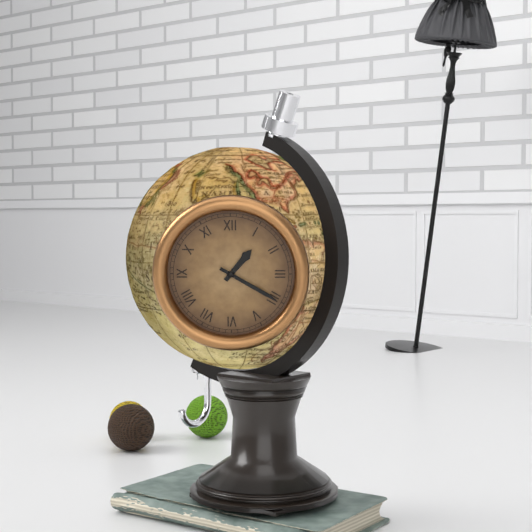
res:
1.20
